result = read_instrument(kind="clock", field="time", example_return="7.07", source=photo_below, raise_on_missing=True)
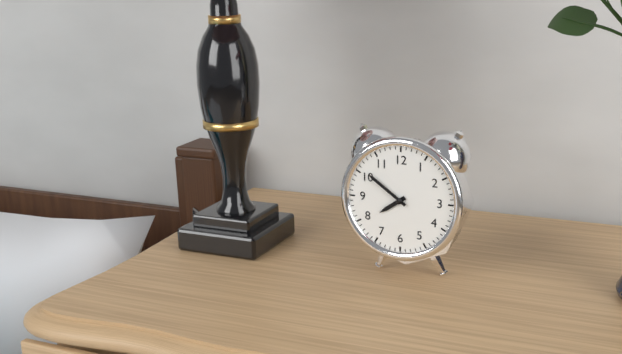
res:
7.51
